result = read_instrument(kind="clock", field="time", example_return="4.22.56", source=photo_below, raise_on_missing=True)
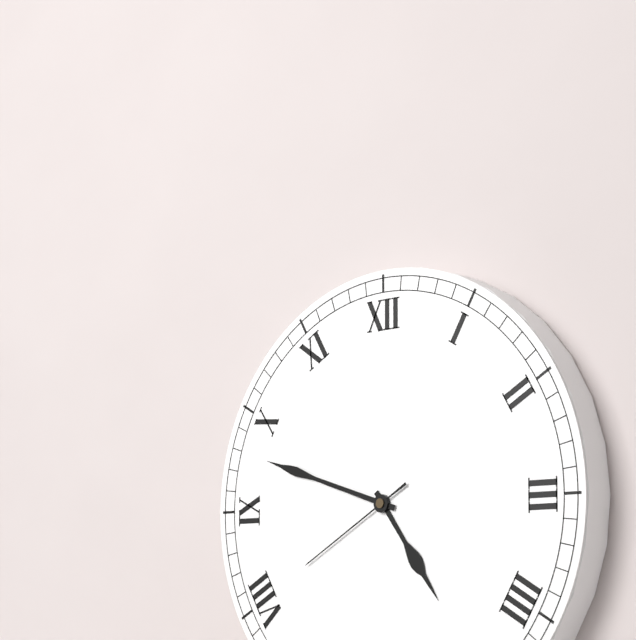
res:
4.48.40
